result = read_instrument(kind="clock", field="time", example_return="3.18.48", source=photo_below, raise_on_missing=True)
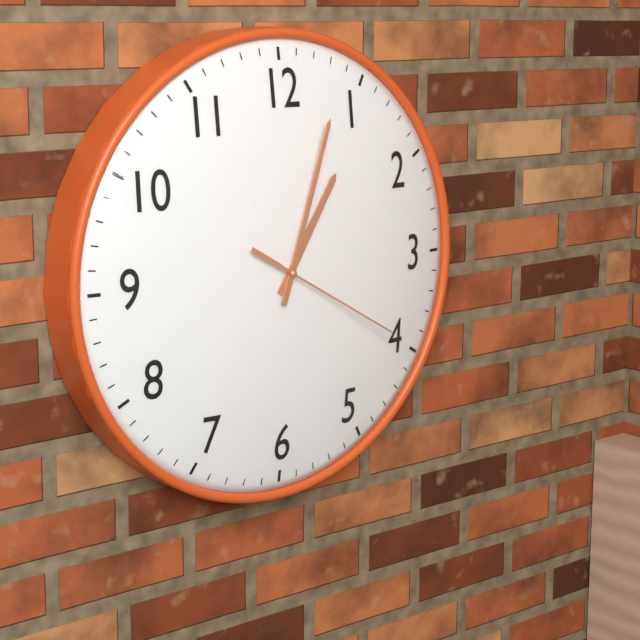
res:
1.03.20
